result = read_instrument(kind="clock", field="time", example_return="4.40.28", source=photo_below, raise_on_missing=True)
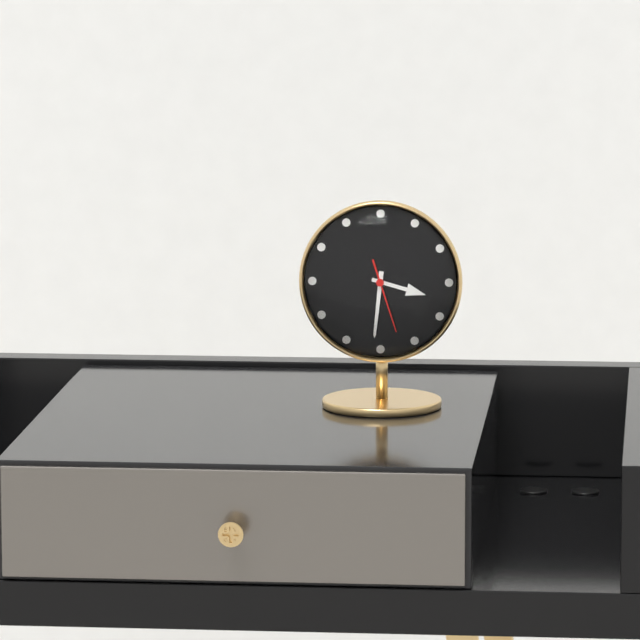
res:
3.31.27
